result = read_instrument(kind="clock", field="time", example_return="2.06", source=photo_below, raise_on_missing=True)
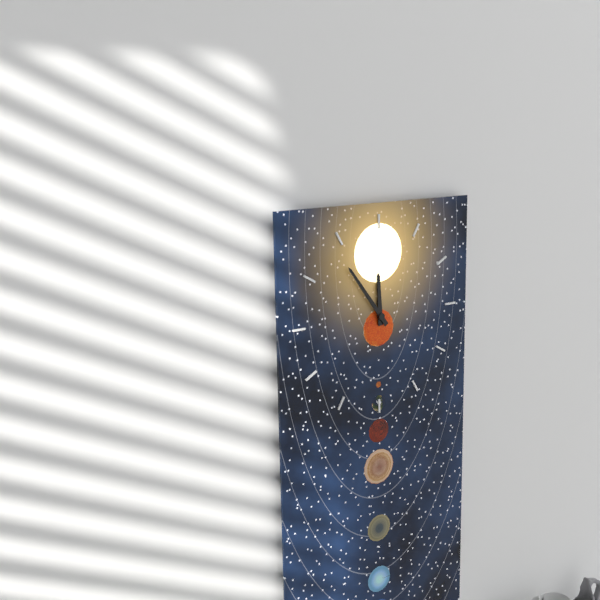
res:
11.54
